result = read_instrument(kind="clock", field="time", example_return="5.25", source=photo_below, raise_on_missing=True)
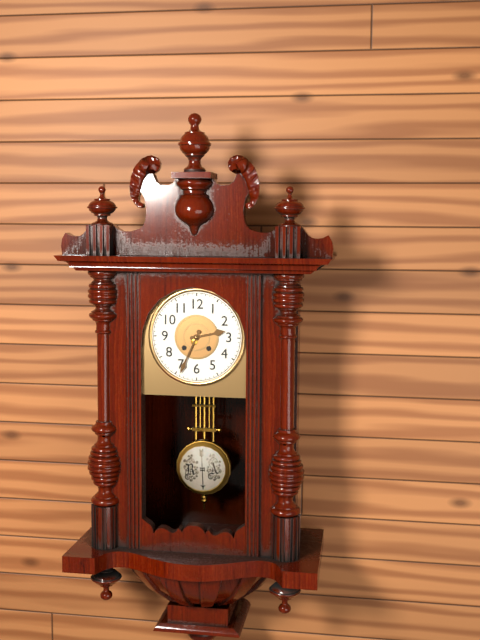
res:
2.34
